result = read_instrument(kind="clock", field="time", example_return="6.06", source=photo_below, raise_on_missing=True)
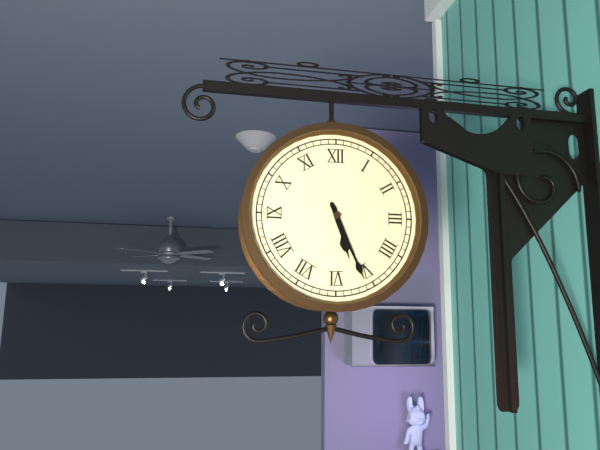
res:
5.26
